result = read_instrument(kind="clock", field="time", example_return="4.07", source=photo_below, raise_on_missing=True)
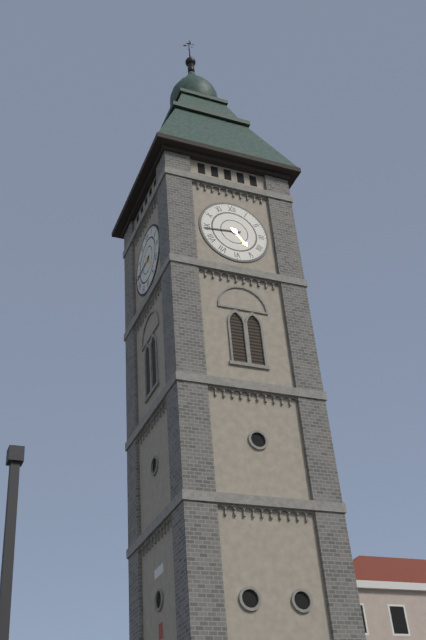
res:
4.44
